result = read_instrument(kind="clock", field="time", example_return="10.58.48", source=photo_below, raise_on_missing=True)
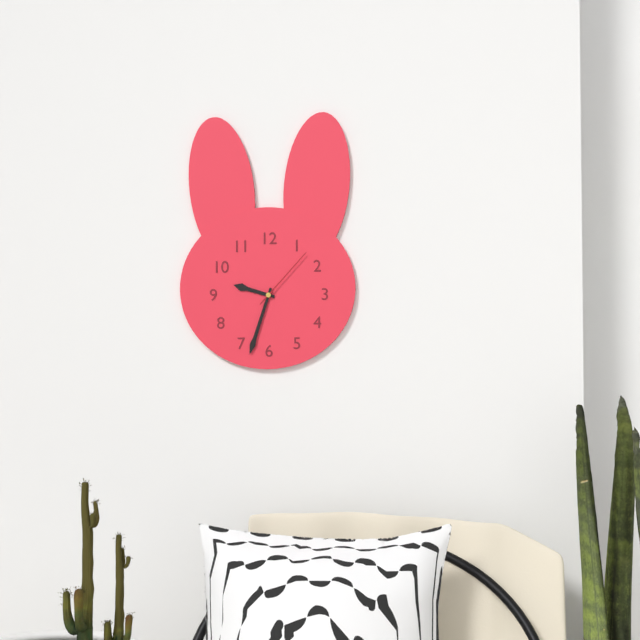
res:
9.33.07
